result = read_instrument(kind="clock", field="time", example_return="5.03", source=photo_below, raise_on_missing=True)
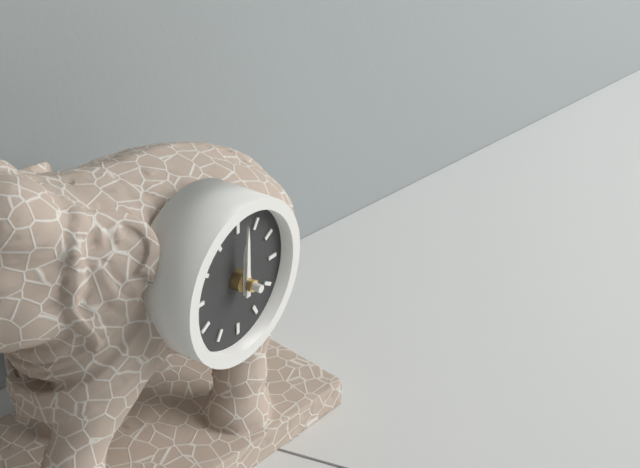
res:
12.00
